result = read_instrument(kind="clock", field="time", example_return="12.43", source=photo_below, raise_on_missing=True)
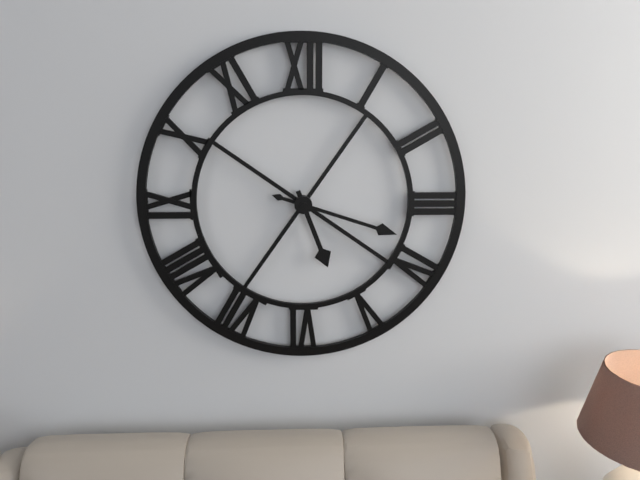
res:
5.18
